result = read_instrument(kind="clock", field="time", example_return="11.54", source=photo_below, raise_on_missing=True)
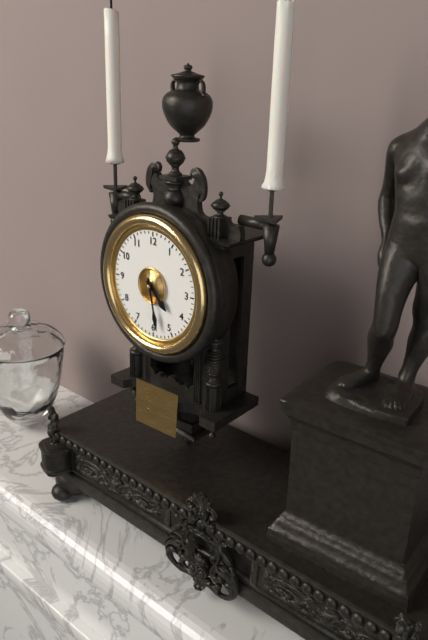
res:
4.28
